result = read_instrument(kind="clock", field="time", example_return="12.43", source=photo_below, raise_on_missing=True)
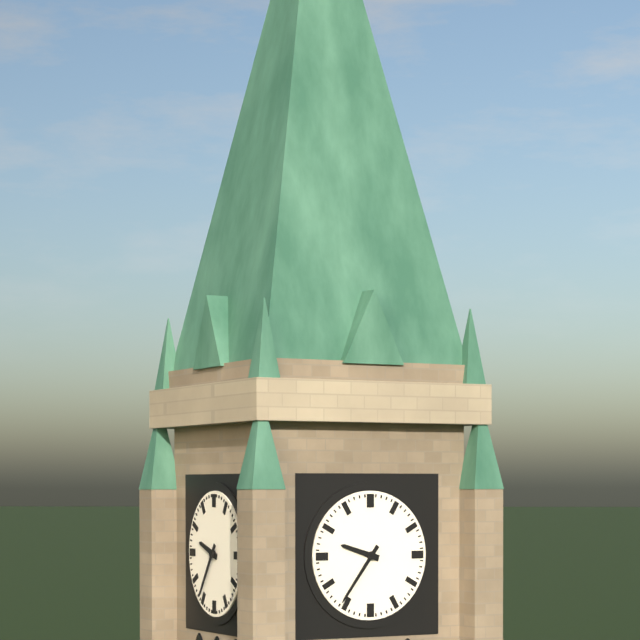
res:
9.36
